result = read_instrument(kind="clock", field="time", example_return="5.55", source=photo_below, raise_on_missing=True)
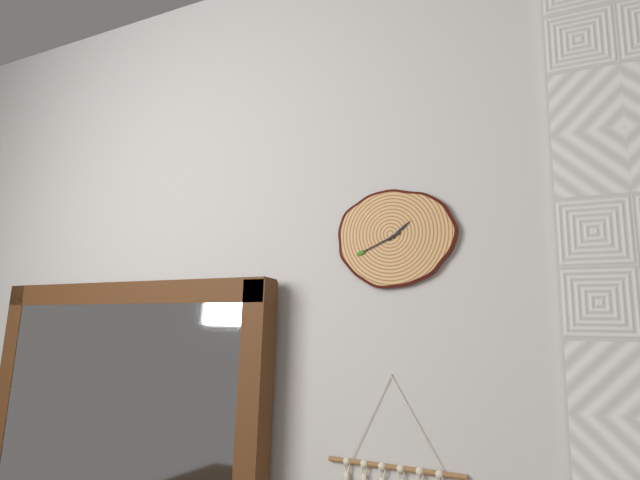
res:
1.41
